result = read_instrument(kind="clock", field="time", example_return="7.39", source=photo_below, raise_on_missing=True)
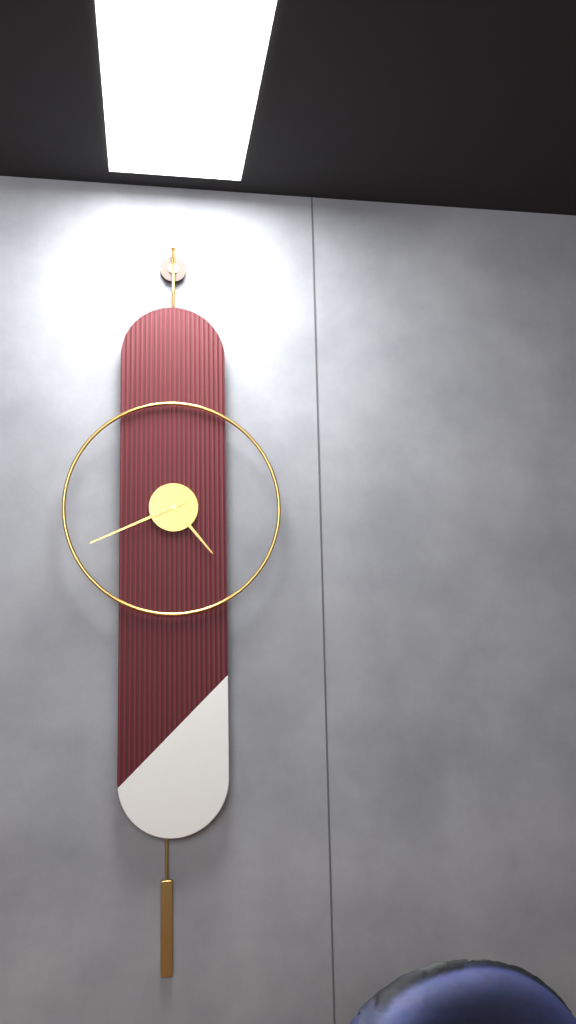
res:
4.41
